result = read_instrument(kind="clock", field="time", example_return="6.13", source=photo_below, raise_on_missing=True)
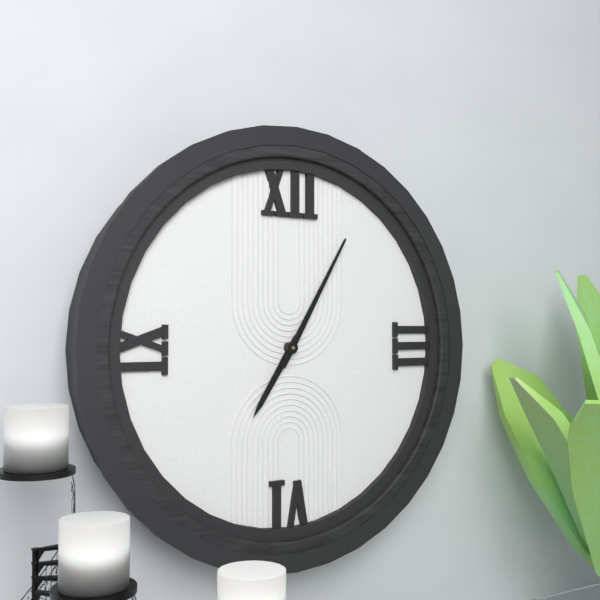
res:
7.05
